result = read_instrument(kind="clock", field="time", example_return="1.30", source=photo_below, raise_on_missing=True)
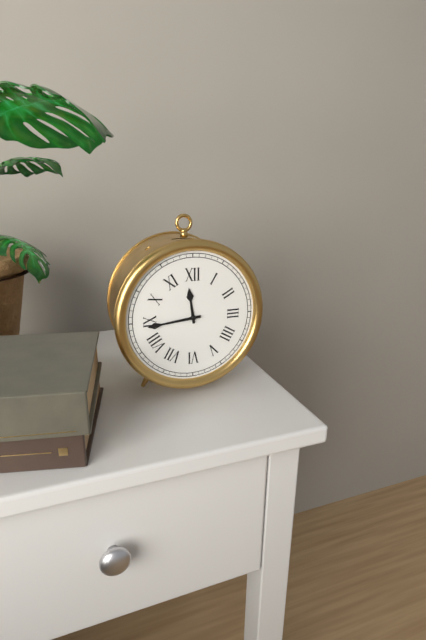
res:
11.44
